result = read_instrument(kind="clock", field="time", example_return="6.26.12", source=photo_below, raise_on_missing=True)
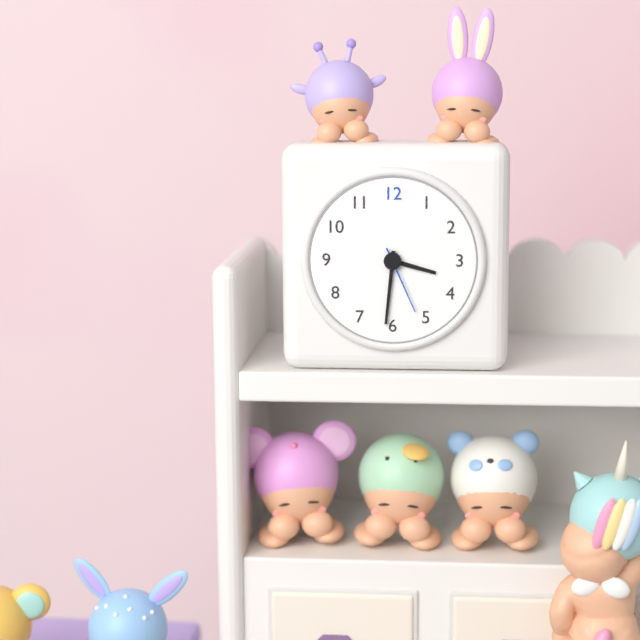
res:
3.31.26
